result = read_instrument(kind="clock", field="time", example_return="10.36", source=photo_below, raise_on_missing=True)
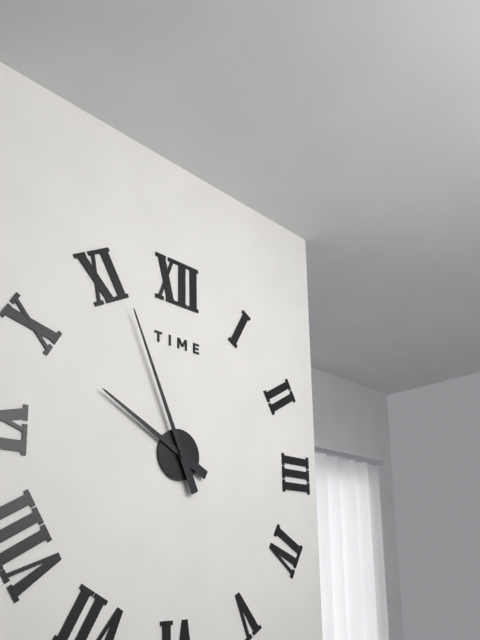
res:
9.56
